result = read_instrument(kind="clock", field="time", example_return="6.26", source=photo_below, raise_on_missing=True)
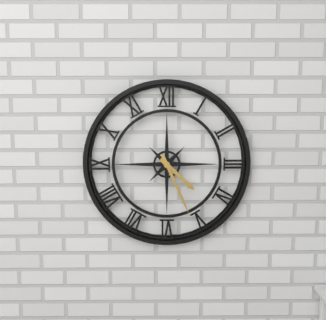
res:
4.26
